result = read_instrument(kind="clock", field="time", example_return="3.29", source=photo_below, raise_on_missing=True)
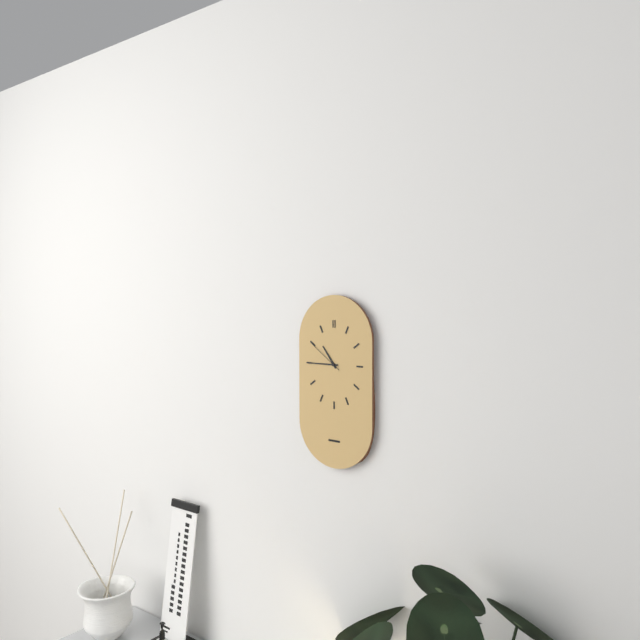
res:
10.45
